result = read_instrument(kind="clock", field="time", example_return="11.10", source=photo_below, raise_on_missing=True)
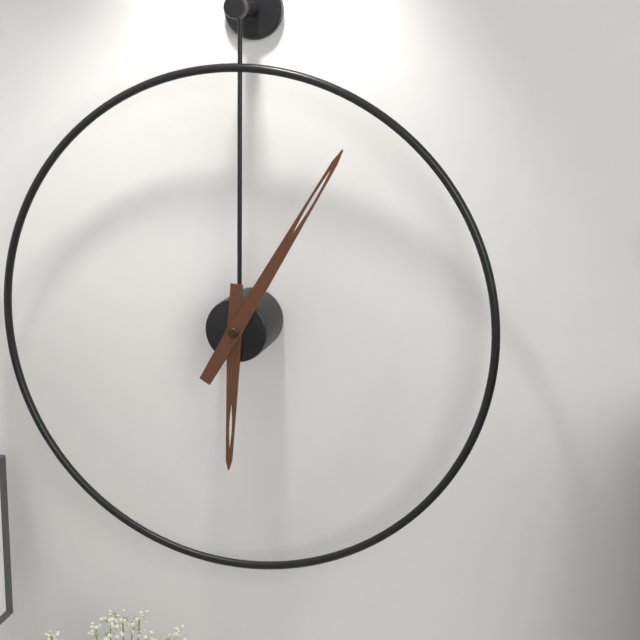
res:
6.05
